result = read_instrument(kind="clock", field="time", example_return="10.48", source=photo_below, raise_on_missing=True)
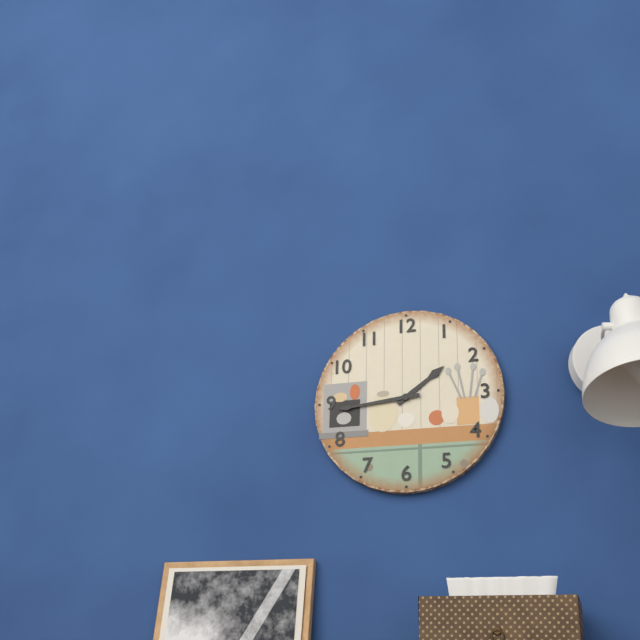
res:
1.44
